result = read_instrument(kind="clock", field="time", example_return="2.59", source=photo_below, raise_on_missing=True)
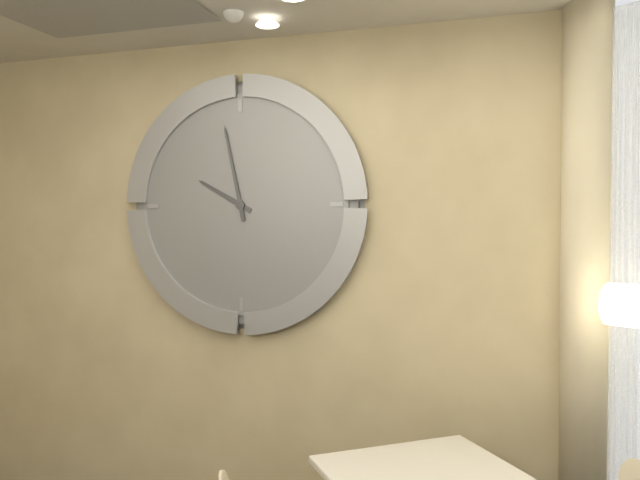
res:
9.58
